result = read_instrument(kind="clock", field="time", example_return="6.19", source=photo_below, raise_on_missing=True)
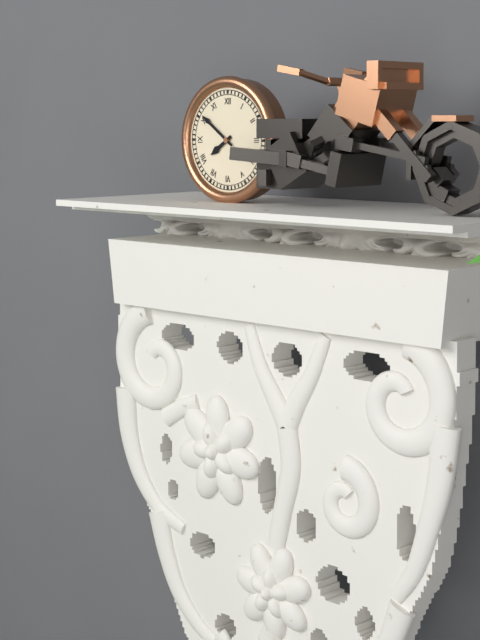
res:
7.51
